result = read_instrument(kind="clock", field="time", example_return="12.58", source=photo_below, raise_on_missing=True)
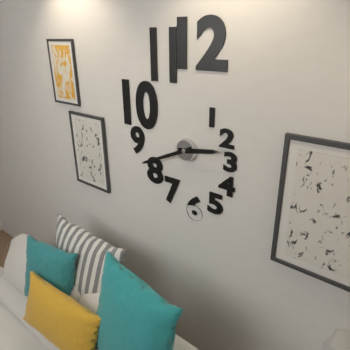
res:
2.41
